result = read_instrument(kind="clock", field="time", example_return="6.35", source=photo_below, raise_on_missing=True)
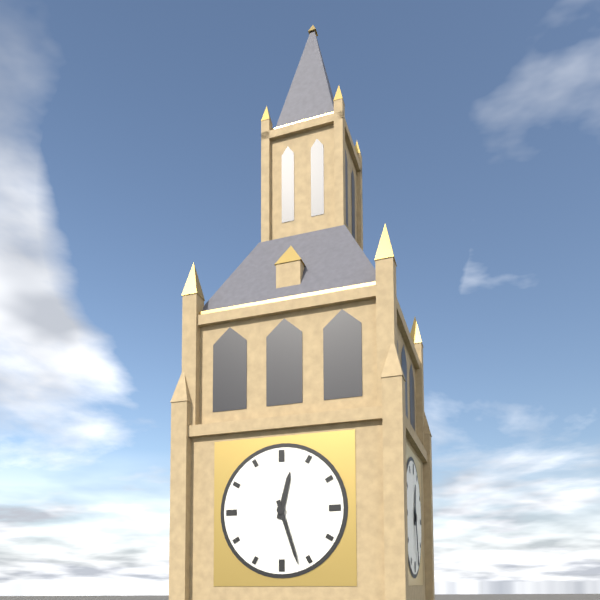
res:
12.27
